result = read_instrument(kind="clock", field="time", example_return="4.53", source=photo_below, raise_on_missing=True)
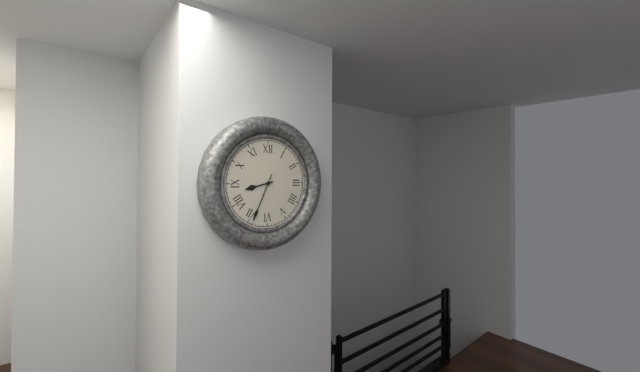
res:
8.34
